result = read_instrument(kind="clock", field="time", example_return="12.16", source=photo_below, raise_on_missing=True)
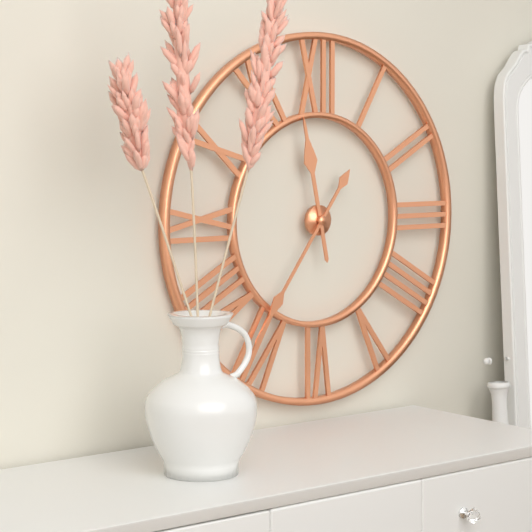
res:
11.36
